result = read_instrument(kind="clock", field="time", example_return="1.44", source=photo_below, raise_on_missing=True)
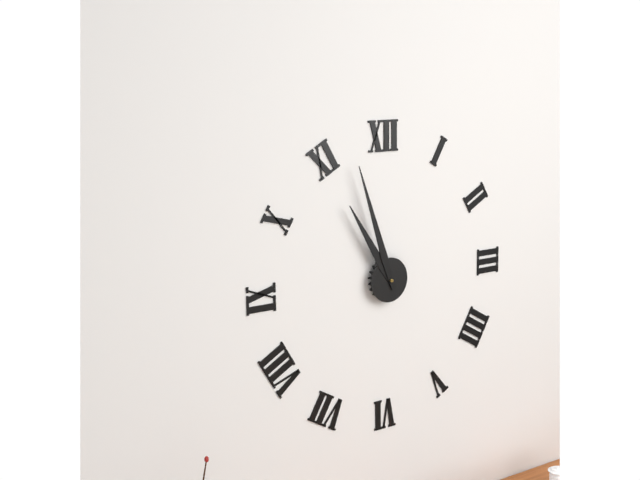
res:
10.57
